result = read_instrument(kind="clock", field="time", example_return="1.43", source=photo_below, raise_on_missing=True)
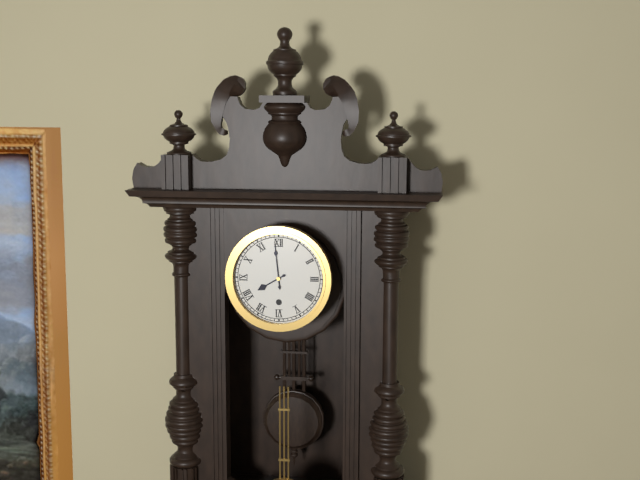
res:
7.59
